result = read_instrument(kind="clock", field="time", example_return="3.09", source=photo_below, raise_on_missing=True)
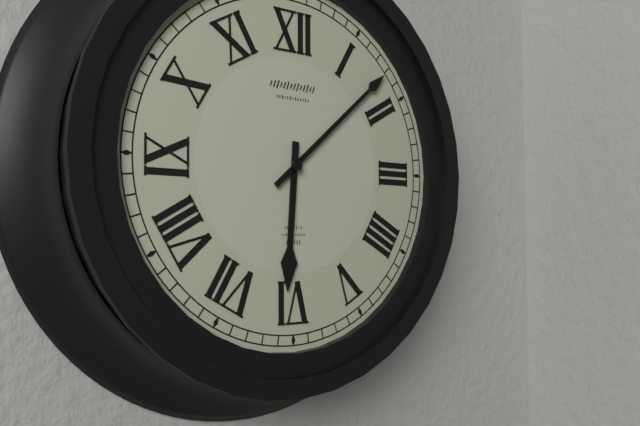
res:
6.08
